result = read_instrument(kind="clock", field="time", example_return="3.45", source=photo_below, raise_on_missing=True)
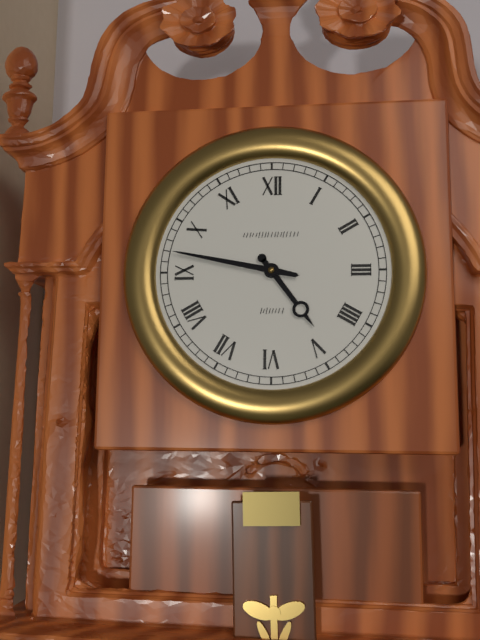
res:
4.47
